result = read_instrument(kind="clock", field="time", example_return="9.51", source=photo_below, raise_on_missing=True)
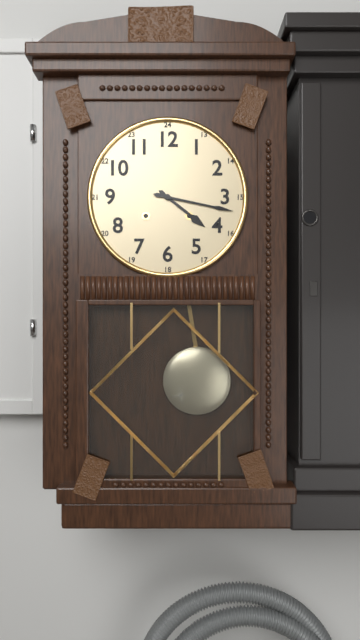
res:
4.17
